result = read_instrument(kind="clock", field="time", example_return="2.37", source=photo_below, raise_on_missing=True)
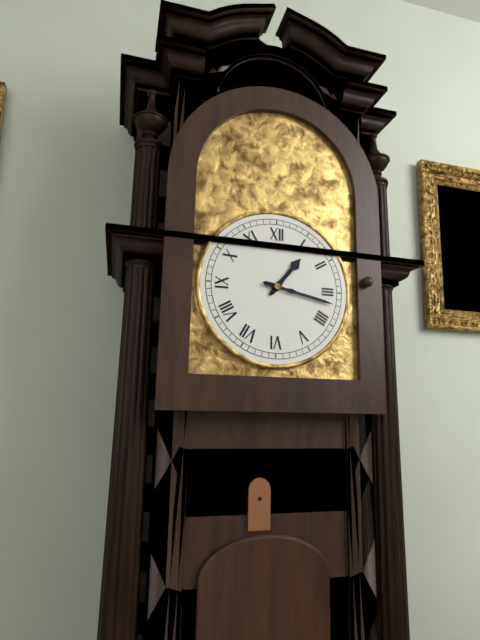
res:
1.17
